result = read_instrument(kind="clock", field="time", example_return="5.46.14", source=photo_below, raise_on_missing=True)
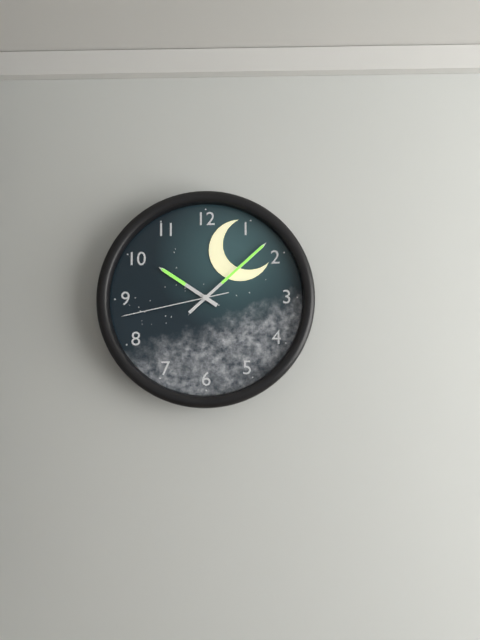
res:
10.08.43
